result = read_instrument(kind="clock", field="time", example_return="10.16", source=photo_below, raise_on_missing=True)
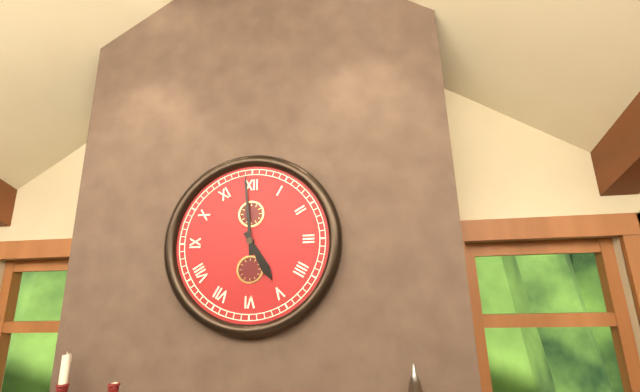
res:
4.59
